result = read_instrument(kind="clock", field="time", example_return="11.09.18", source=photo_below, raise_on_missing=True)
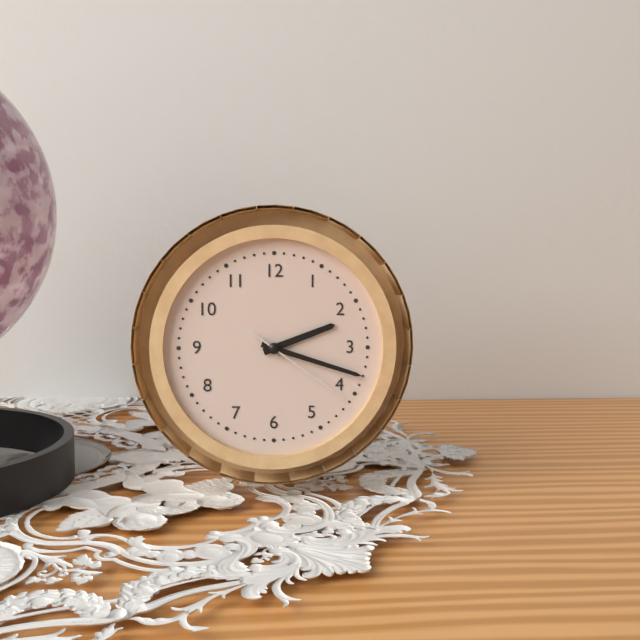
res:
2.18.21
